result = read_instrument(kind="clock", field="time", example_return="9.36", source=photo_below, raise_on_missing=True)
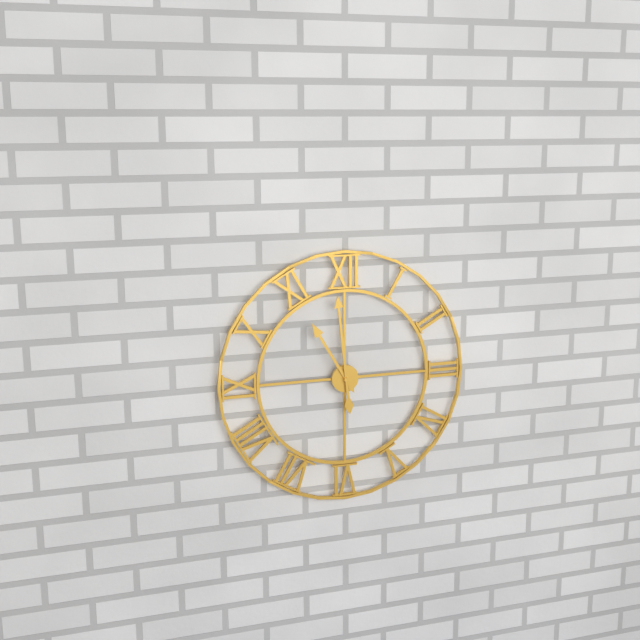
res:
10.59
